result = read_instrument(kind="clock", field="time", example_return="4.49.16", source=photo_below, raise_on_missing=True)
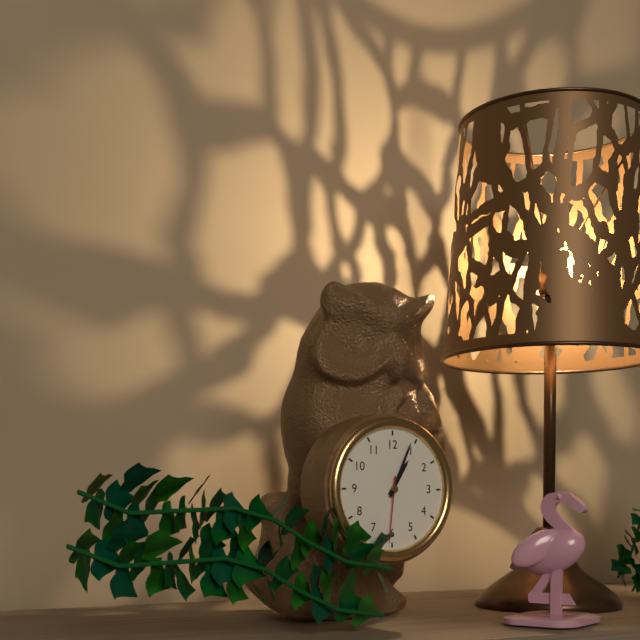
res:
1.04.31
